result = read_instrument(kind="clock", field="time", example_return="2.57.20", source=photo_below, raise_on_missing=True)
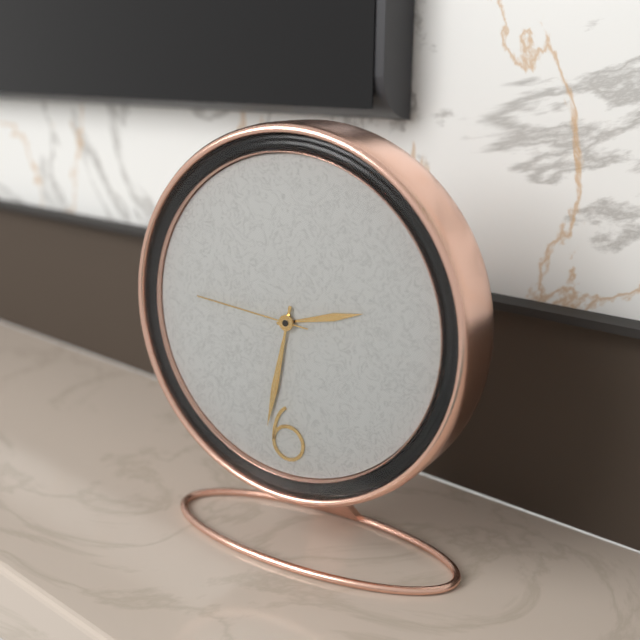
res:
2.32.46
